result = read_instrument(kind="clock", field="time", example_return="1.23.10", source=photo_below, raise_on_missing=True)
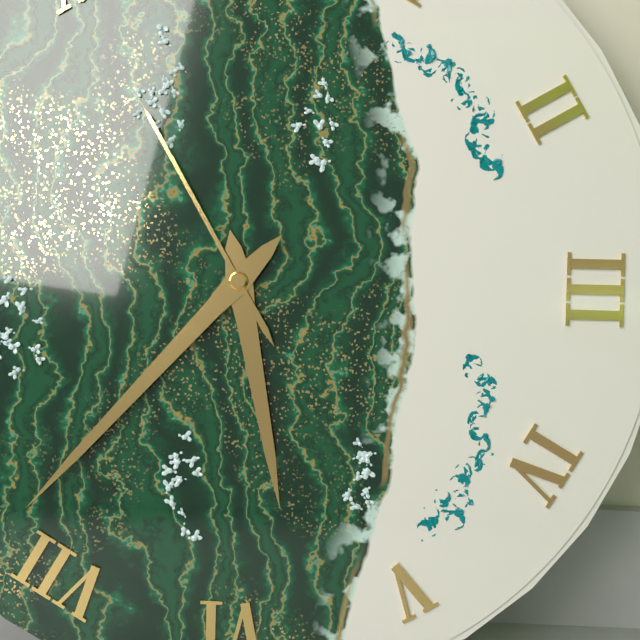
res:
5.37.55
